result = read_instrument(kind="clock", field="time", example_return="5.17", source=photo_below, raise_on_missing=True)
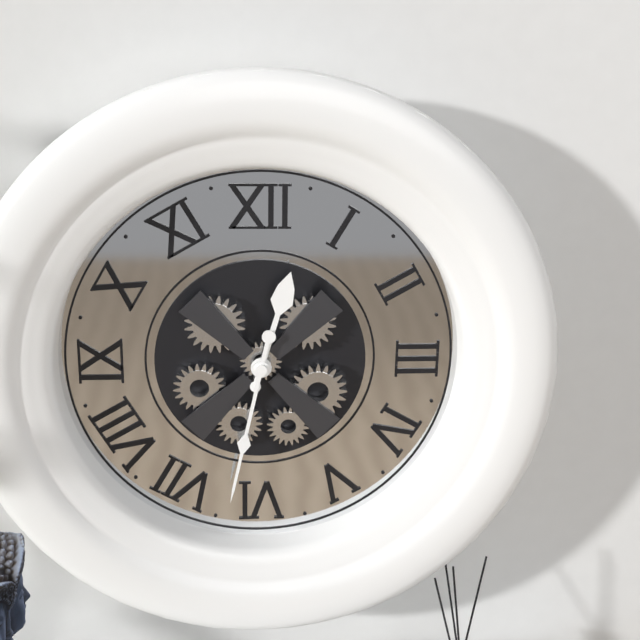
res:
12.32
